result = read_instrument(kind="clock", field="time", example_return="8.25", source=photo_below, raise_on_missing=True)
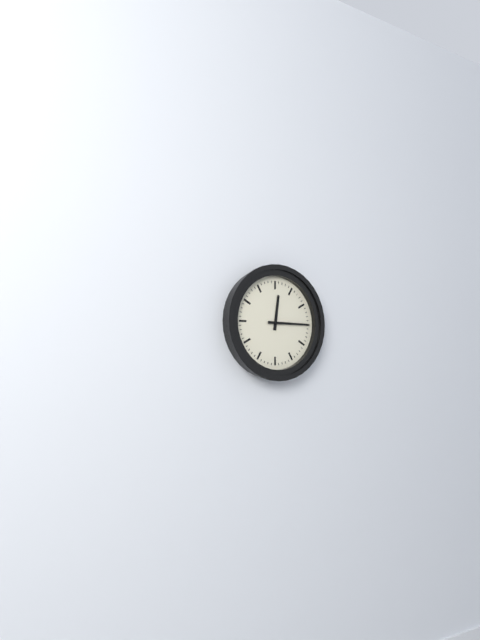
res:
12.15
